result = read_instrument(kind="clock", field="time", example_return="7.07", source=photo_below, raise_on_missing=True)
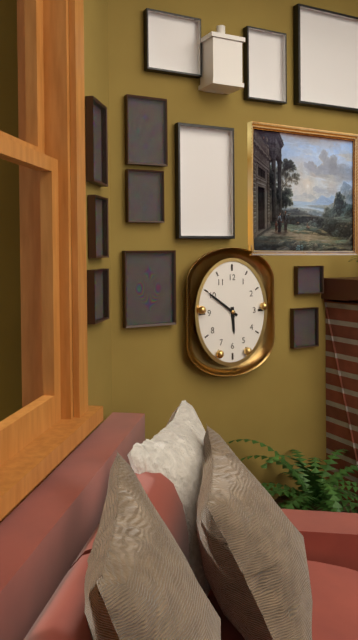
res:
5.51
